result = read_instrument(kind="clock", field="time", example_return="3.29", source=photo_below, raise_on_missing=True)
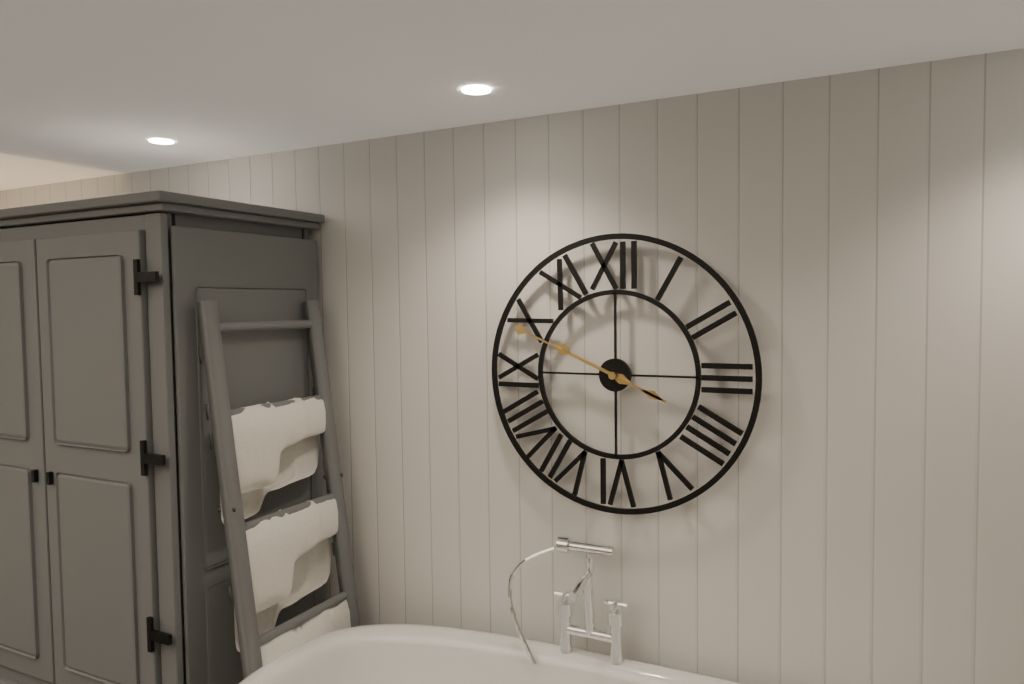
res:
9.49
